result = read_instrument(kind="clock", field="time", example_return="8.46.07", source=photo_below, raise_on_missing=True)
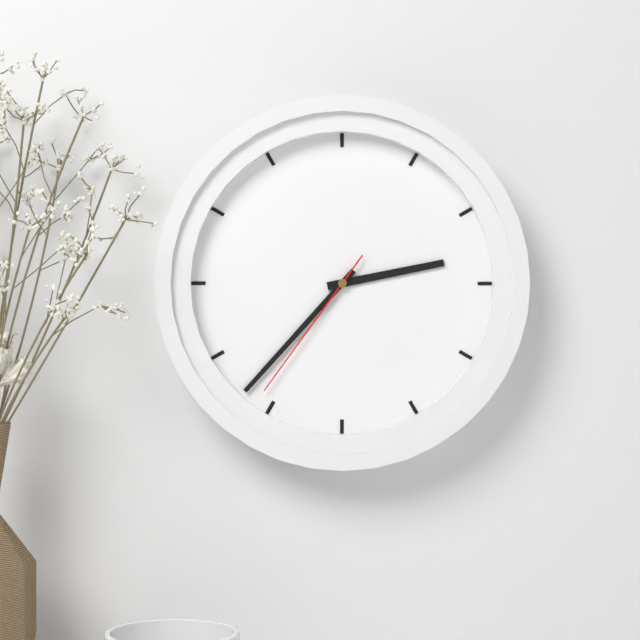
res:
2.37.36
